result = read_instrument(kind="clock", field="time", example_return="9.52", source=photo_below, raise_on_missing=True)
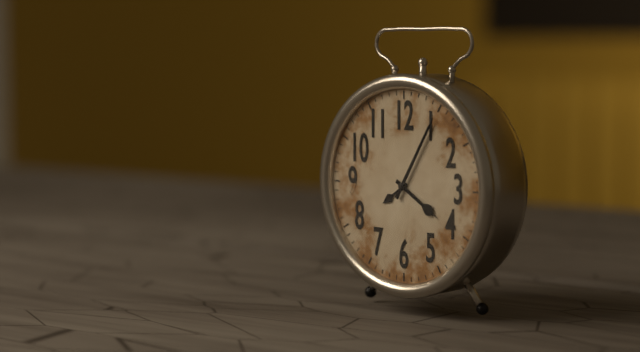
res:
4.05
